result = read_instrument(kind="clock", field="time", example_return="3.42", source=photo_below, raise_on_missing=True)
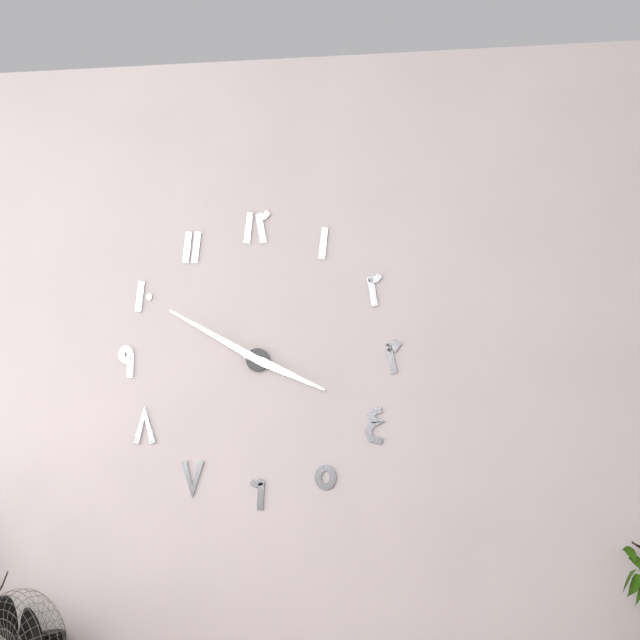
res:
3.50
